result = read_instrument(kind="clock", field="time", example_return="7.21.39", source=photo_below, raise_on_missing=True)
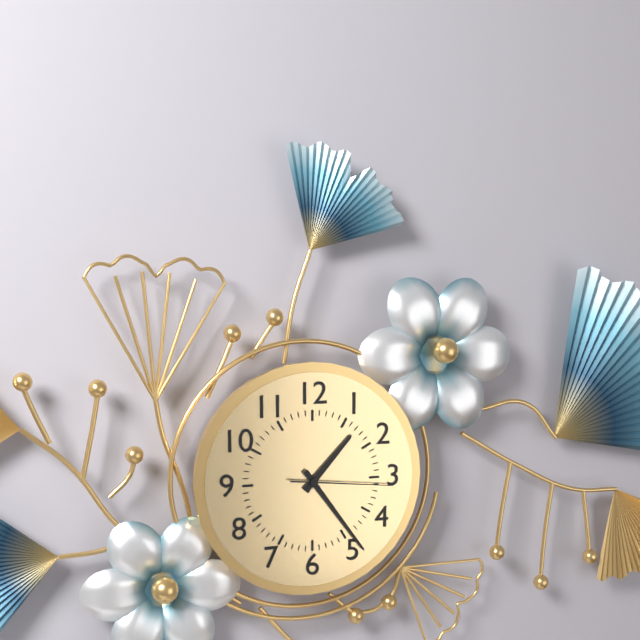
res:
1.24.16
